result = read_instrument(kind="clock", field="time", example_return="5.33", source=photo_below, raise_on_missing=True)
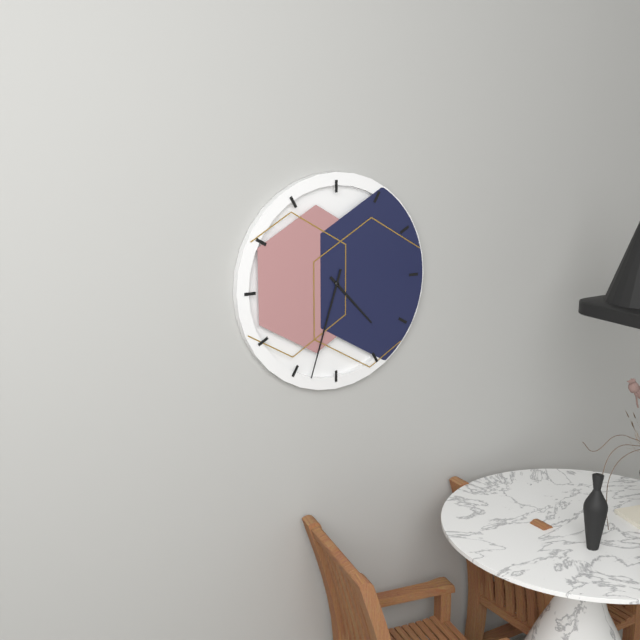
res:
4.33
